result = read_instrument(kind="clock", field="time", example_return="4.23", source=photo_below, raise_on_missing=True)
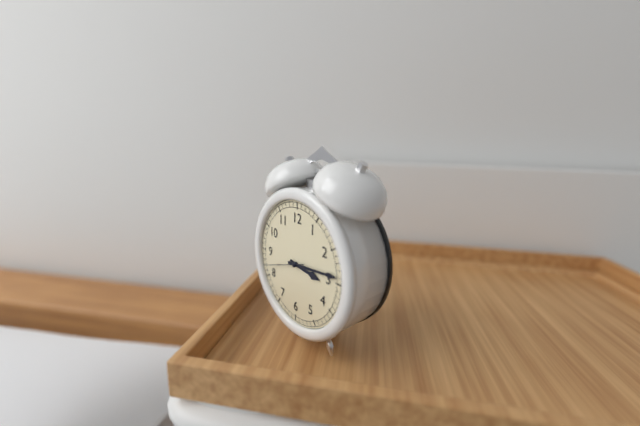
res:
3.14
